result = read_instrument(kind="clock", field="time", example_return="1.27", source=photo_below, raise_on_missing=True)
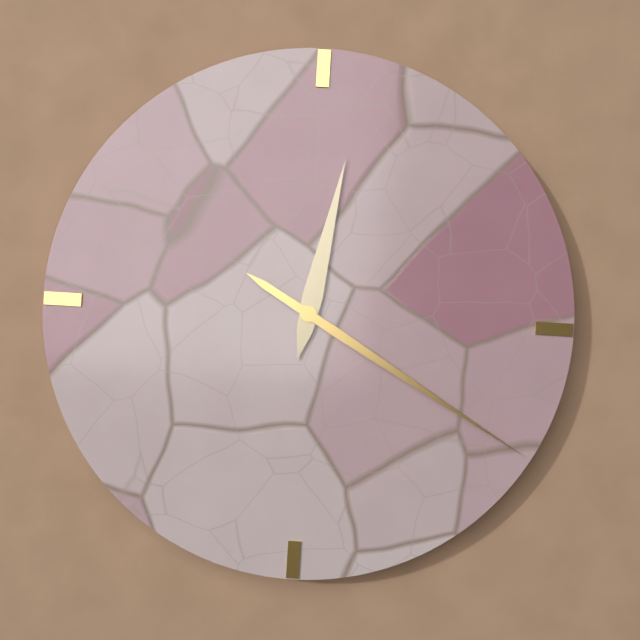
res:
12.20
